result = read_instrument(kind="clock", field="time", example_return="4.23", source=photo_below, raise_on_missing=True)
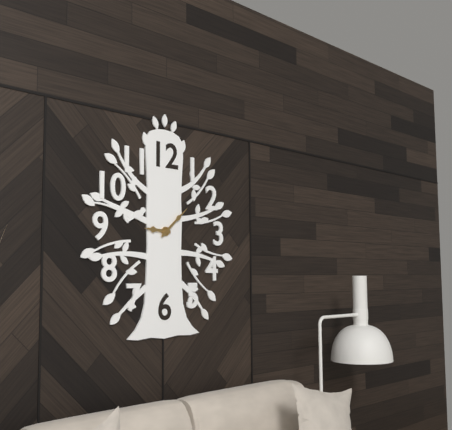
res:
9.08
